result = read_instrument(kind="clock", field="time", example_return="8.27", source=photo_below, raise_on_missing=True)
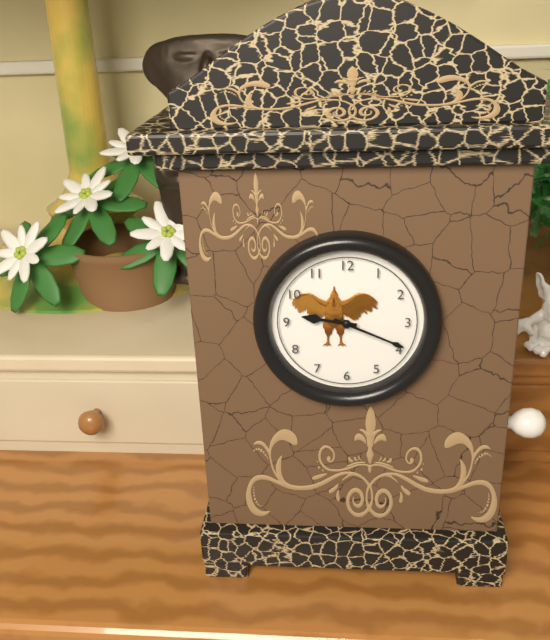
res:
9.19
